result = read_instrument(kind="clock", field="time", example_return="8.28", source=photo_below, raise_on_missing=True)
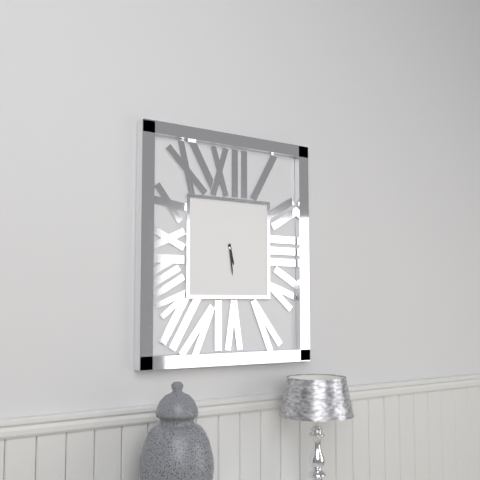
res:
5.29
